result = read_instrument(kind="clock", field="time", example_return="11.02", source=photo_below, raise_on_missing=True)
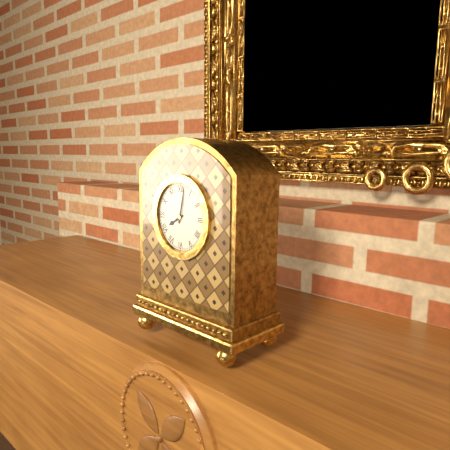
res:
8.02
